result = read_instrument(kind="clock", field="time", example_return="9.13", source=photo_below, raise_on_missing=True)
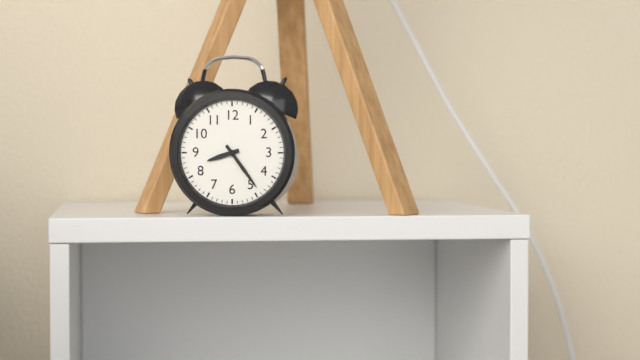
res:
8.24
